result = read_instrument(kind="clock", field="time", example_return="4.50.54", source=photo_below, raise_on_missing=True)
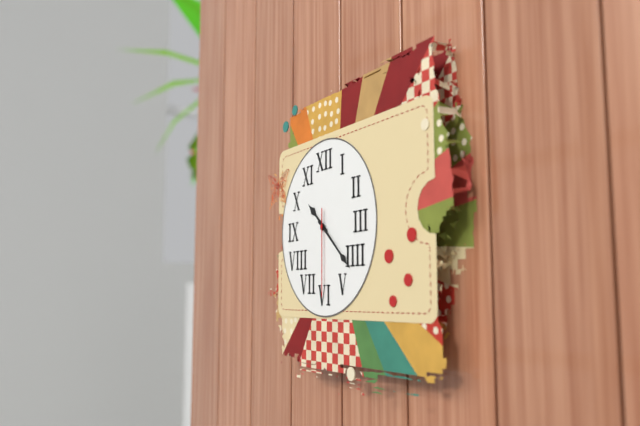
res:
10.22.30
